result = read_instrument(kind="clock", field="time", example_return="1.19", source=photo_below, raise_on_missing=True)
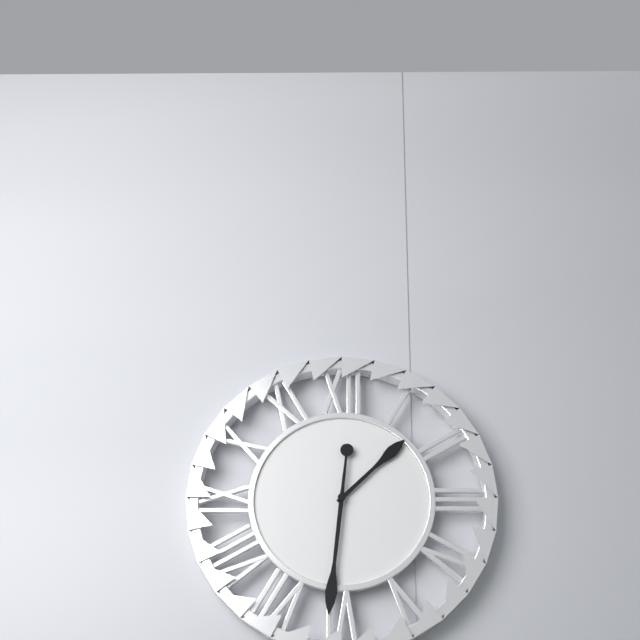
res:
1.31
